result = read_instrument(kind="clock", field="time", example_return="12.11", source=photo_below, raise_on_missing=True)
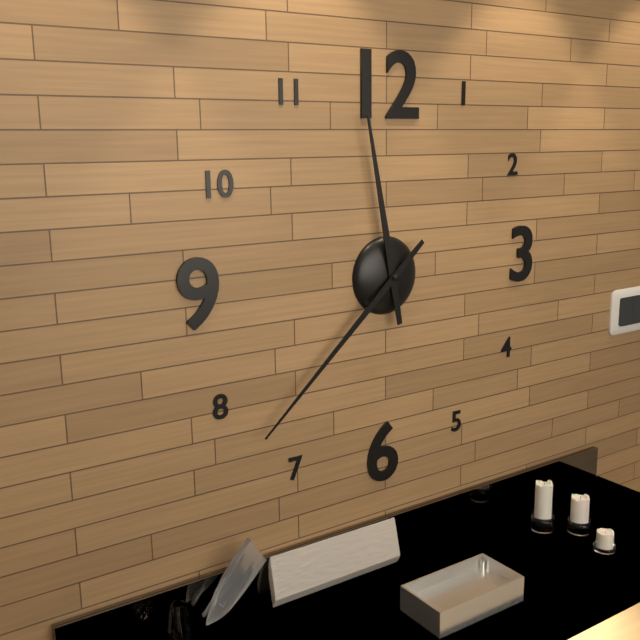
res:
11.38
